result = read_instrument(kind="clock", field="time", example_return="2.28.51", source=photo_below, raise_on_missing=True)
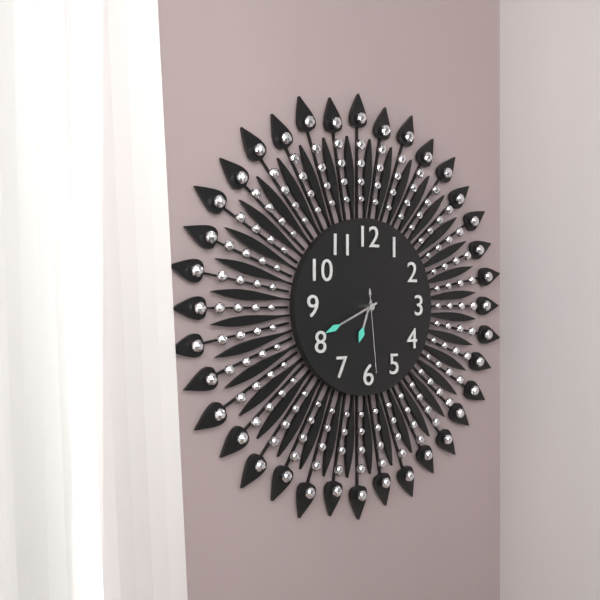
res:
6.41.29
